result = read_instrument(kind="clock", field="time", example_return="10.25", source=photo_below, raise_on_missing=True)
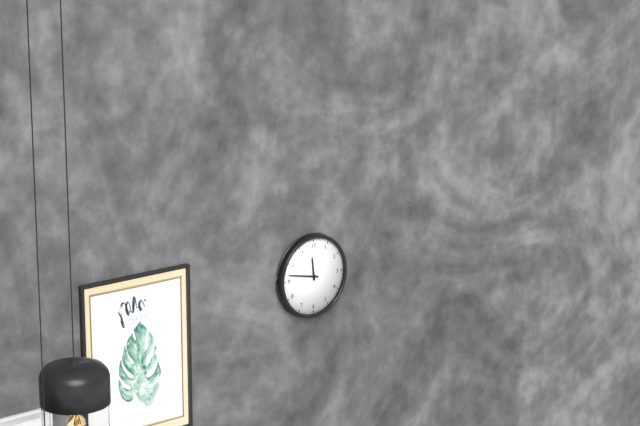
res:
11.47
